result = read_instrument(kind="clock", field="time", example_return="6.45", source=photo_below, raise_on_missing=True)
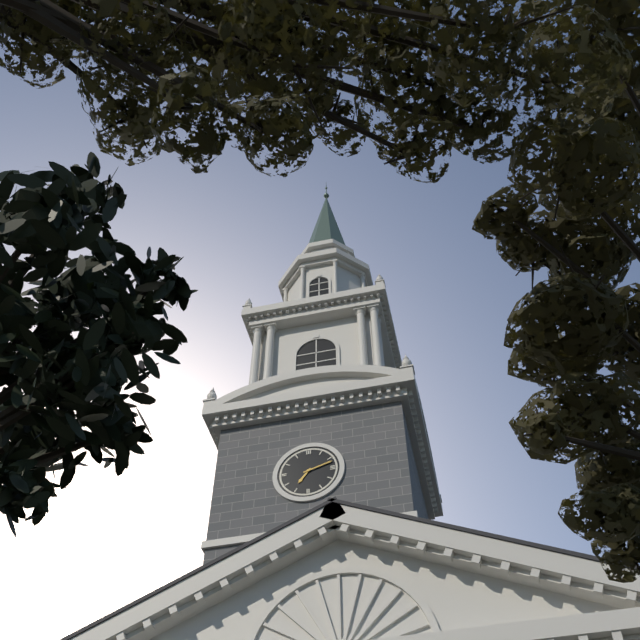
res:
7.12
